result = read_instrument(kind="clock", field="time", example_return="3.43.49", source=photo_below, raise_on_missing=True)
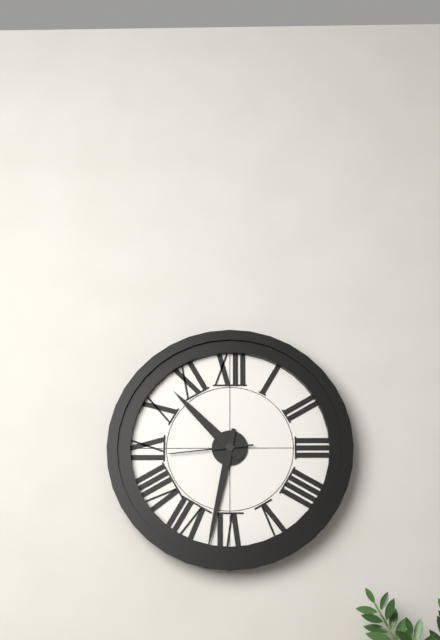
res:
10.32.44
